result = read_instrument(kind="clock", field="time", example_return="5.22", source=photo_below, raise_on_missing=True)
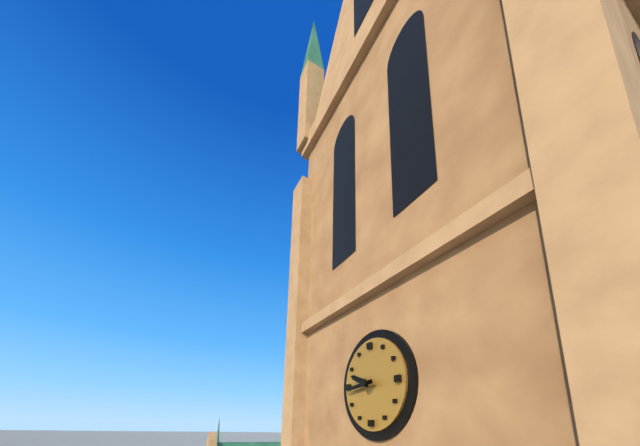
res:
9.44
